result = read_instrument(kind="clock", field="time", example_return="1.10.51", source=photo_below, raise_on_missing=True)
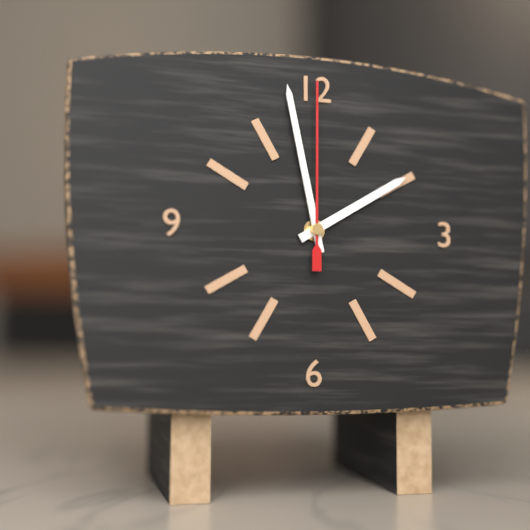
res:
1.58.00
